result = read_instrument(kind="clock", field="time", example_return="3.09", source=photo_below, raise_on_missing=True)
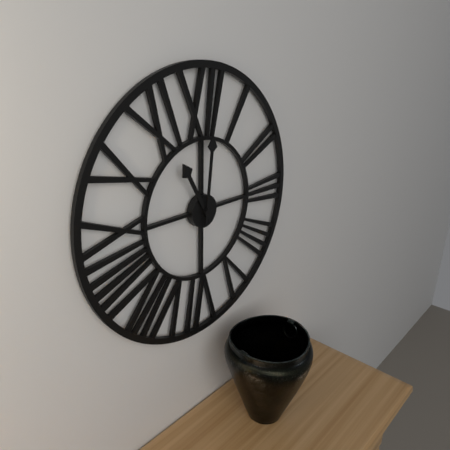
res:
11.01
